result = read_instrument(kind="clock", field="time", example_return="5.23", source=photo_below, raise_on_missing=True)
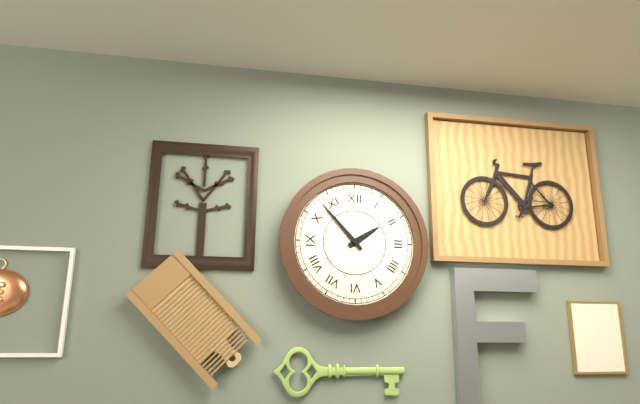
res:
1.53
